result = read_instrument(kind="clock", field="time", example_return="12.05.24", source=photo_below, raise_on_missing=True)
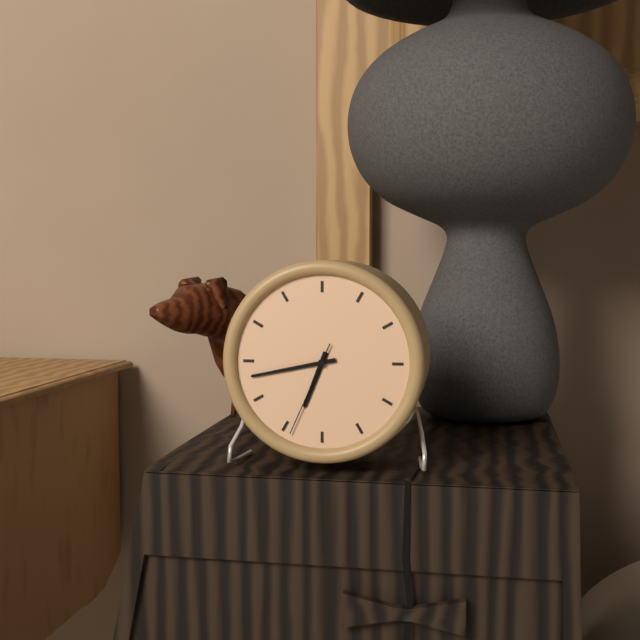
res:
6.43.34
